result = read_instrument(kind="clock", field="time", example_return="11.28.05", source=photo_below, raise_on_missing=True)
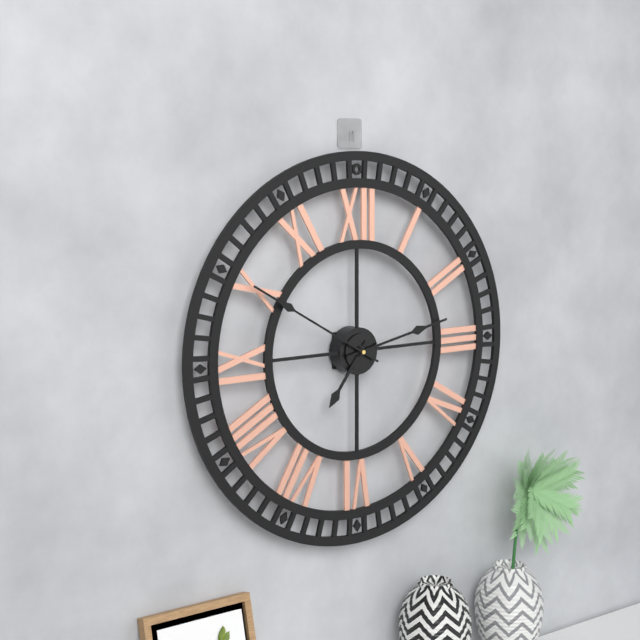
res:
7.13.50
